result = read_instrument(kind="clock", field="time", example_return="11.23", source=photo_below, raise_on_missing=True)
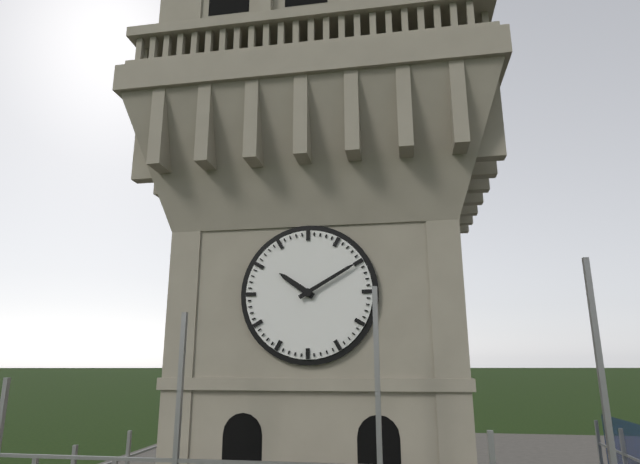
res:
10.10
